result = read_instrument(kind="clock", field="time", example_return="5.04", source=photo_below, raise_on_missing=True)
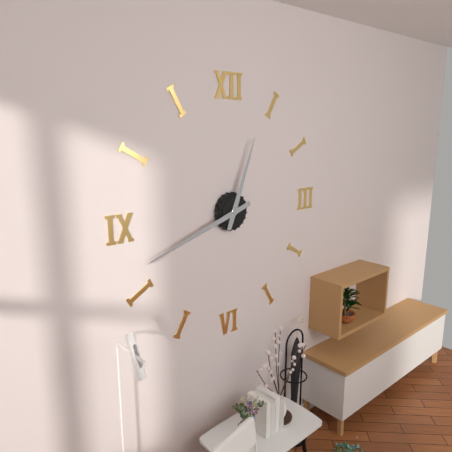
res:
12.42
